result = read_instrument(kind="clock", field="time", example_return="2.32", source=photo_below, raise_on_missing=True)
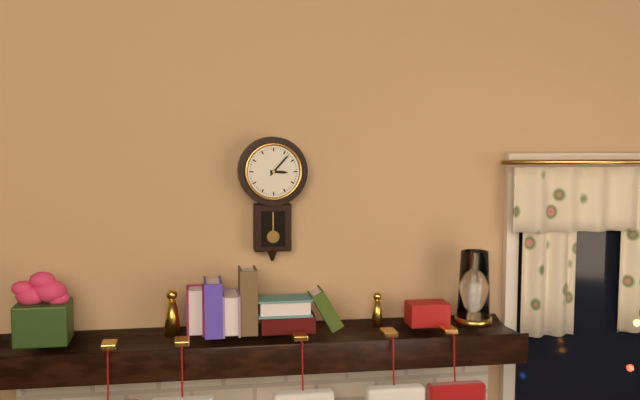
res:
3.07
